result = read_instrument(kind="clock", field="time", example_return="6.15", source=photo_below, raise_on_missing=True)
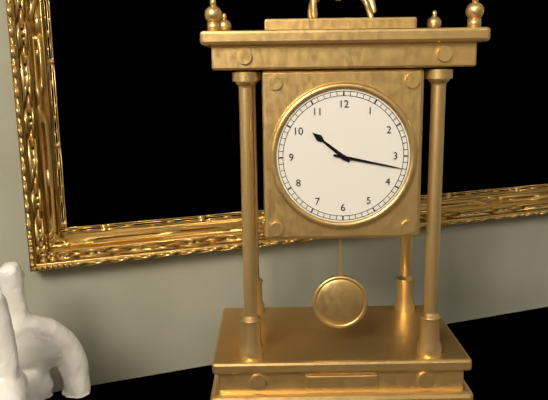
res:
10.17
